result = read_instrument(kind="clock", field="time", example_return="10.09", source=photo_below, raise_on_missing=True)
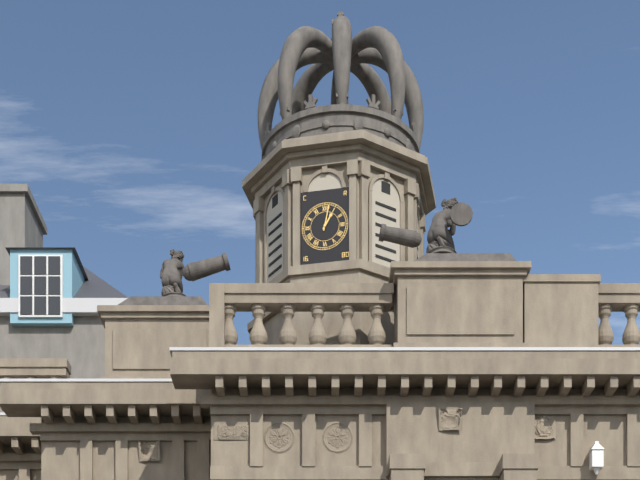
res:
1.02
